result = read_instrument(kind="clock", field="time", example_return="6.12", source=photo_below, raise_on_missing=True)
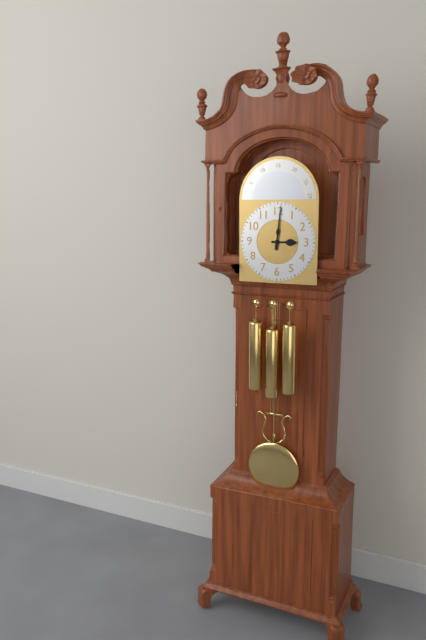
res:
3.01
